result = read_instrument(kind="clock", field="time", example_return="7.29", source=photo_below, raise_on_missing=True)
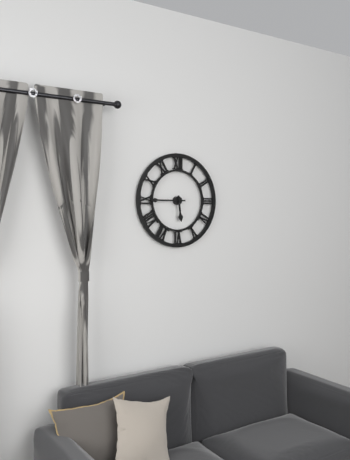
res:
5.45
